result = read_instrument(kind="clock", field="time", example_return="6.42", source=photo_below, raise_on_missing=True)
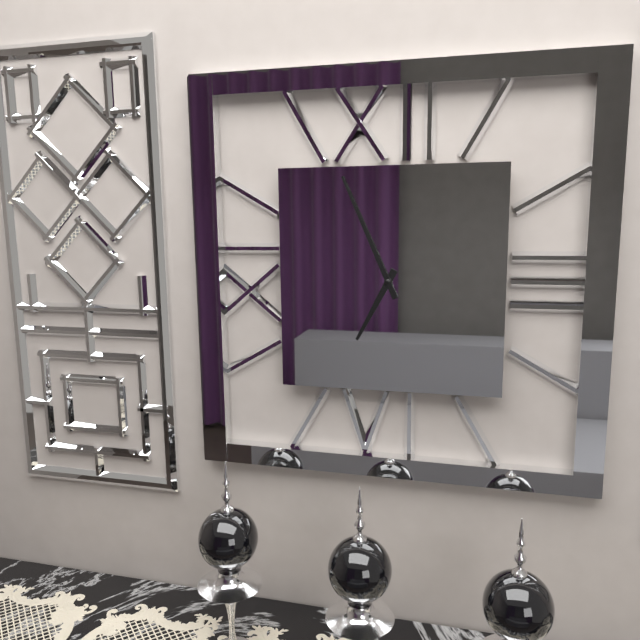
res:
6.56
